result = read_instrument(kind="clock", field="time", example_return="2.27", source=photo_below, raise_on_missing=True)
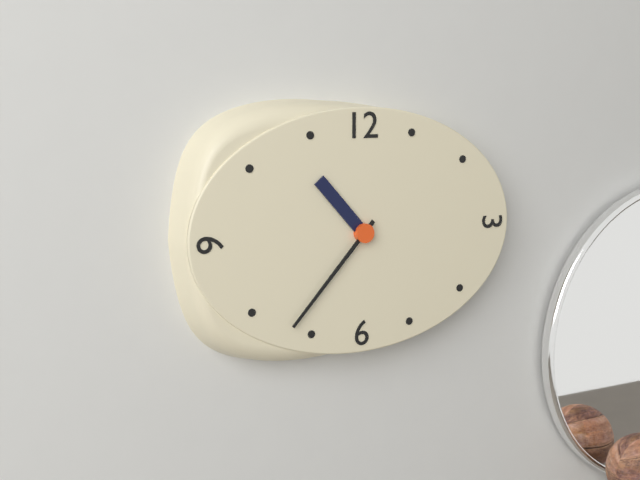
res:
10.37
